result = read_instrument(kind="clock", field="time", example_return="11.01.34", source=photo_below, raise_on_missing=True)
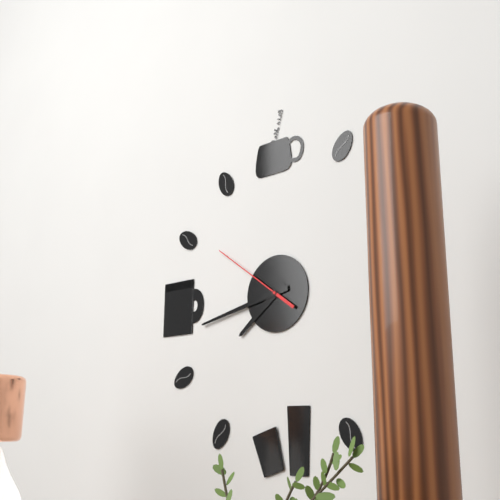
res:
7.43.51
